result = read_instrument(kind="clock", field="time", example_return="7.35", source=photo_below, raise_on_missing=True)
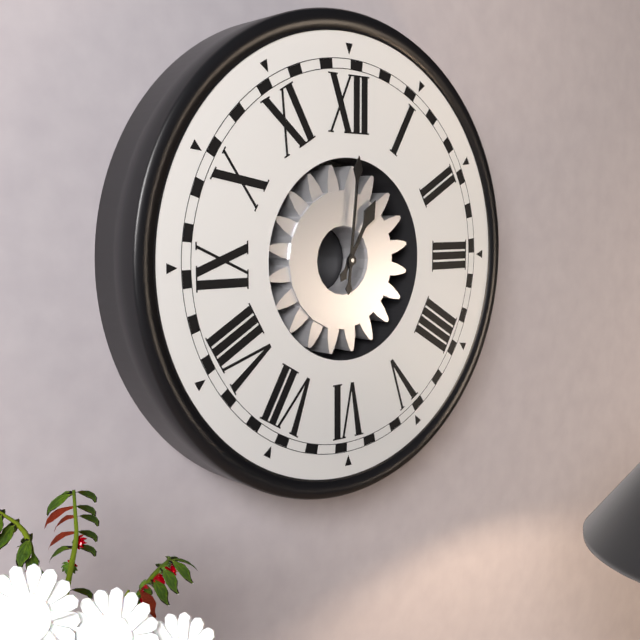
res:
1.01
